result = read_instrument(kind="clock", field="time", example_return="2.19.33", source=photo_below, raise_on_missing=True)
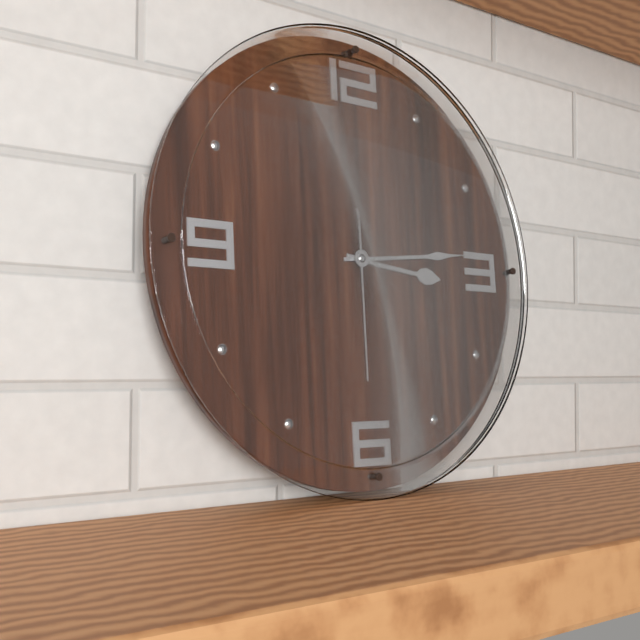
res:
3.14.30
